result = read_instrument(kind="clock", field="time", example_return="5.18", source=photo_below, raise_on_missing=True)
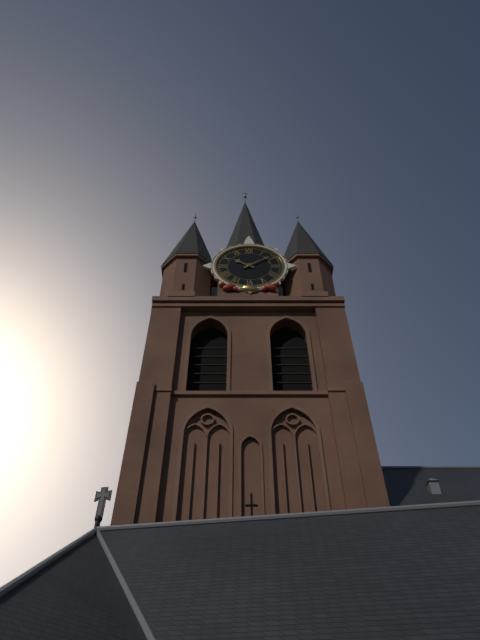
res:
10.09
